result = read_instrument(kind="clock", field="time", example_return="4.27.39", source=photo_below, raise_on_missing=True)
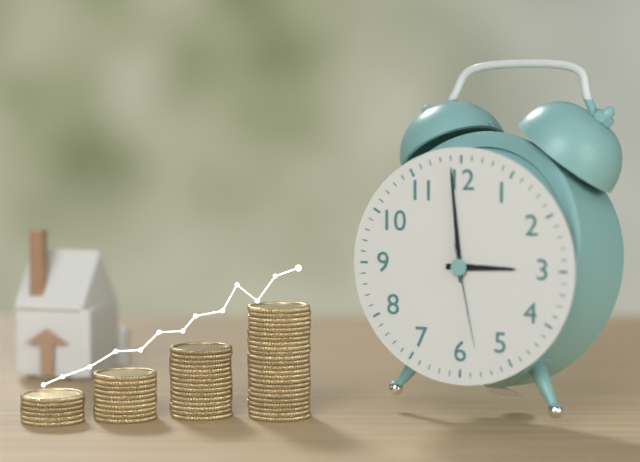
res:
2.59.28
